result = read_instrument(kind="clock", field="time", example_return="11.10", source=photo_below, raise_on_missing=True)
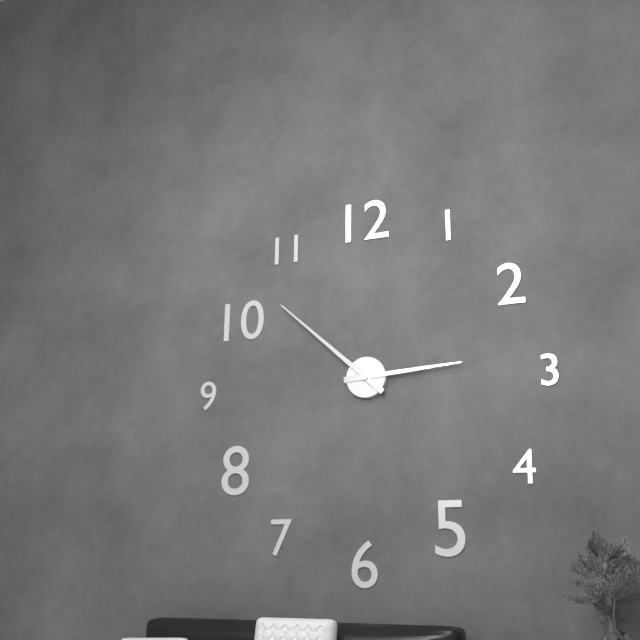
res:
2.52
